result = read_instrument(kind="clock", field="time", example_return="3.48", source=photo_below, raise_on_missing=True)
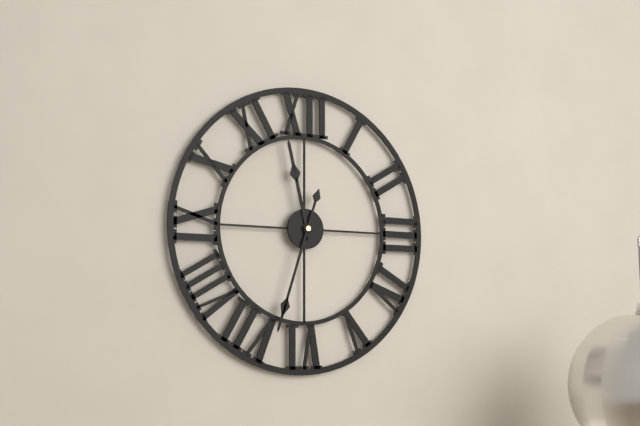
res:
11.33
